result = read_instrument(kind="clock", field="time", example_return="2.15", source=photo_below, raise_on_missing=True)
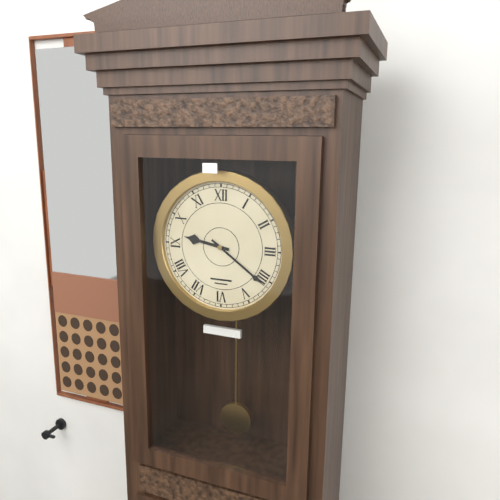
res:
9.21
